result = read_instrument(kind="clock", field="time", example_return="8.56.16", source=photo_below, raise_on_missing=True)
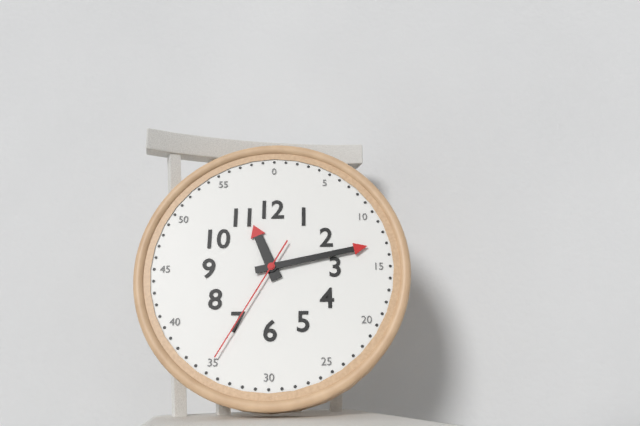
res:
11.13.35
